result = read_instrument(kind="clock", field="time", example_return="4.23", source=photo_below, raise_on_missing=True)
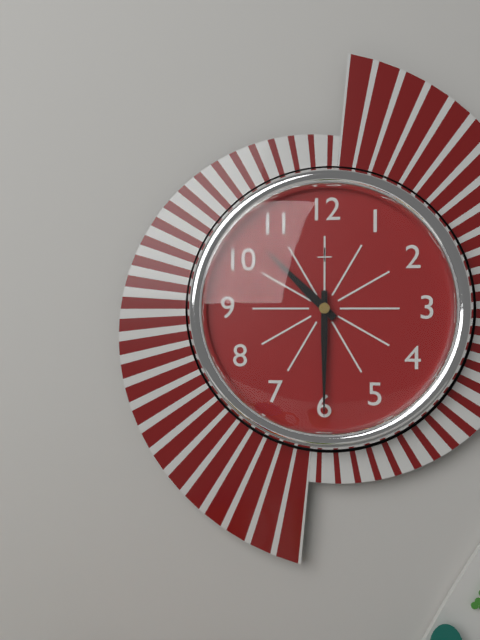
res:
10.30
